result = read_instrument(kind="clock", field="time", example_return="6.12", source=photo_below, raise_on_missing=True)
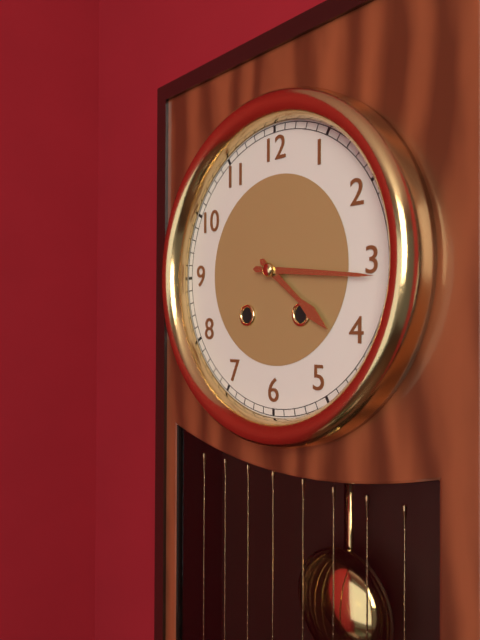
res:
4.16
